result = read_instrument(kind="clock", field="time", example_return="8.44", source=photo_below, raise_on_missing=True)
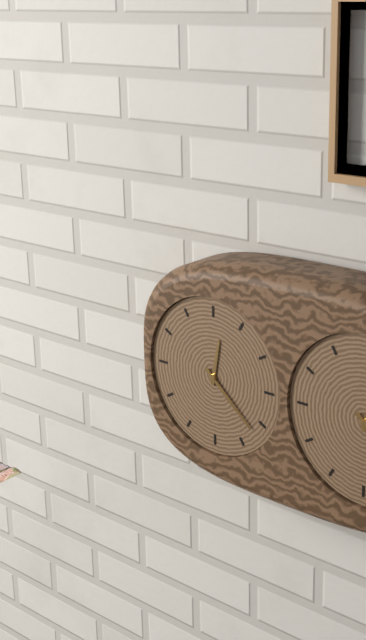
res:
12.22
